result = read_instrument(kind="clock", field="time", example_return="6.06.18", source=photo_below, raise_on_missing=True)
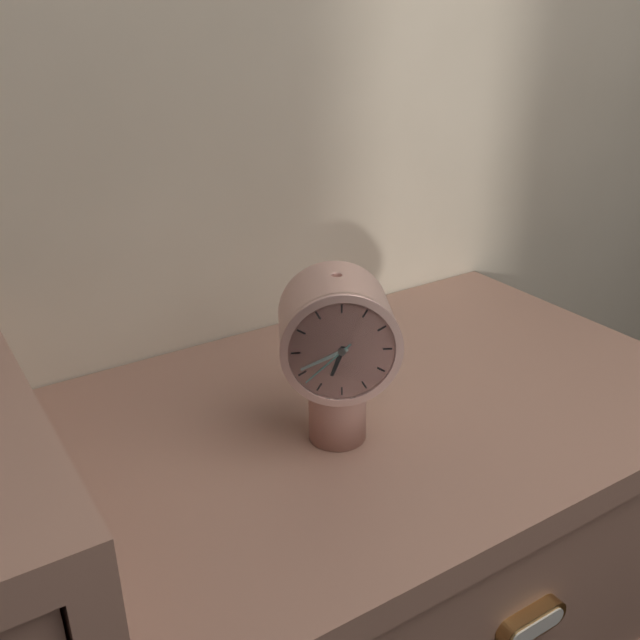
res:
6.41.38
